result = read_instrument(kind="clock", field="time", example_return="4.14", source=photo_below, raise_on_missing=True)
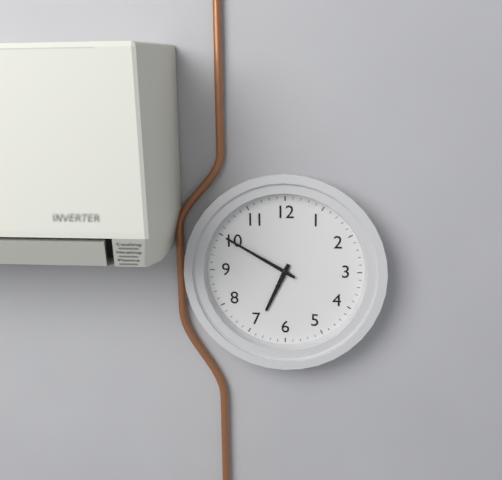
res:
6.50
